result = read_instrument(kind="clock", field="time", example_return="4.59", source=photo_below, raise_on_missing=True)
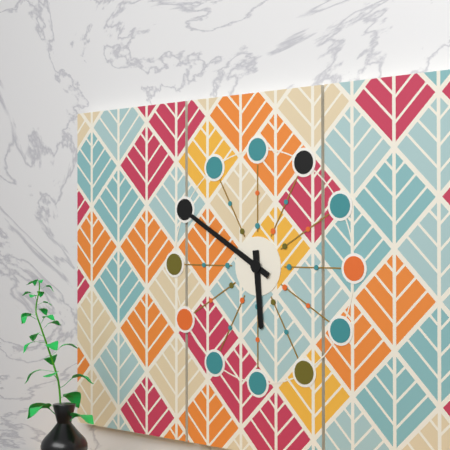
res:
5.50
